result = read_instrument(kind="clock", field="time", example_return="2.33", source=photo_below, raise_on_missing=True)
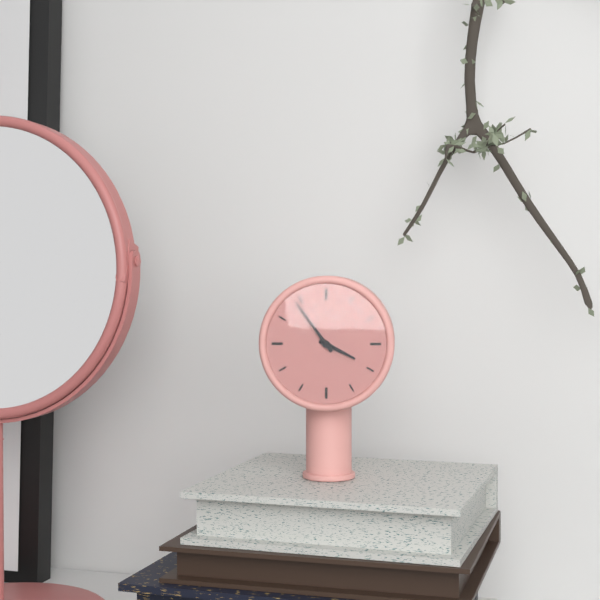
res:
3.54
